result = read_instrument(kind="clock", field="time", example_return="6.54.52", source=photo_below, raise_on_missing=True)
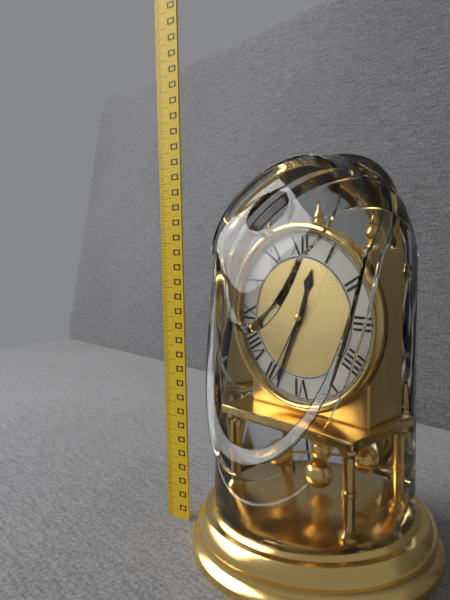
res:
12.34.35
